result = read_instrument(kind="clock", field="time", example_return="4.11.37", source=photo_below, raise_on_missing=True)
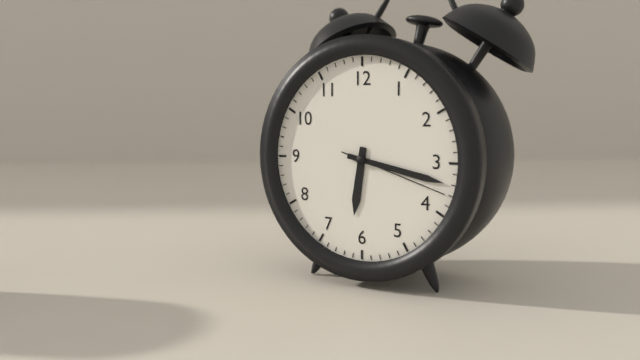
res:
6.17.18
